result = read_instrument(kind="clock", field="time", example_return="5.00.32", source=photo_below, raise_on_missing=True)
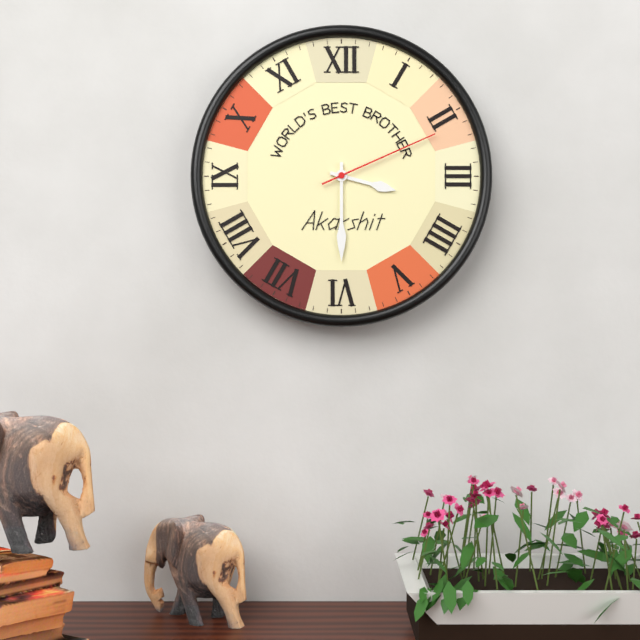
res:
3.30.11
